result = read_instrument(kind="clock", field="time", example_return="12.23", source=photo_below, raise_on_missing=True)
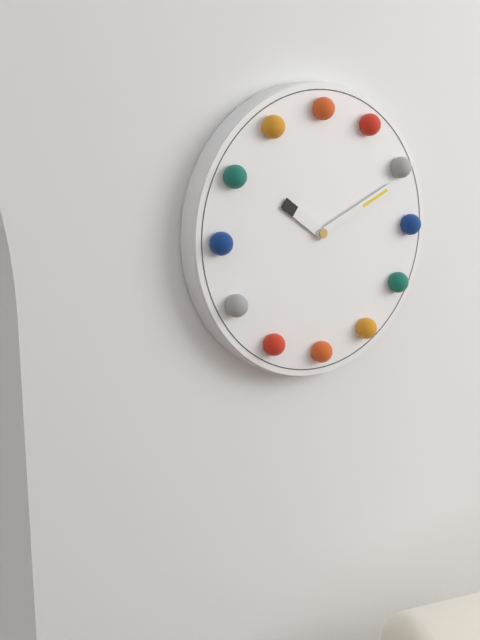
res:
10.11
